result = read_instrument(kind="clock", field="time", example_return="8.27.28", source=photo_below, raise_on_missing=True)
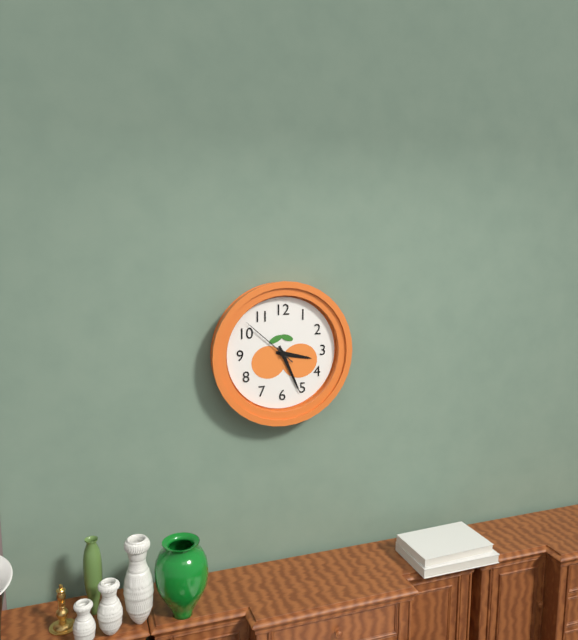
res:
3.26.52
